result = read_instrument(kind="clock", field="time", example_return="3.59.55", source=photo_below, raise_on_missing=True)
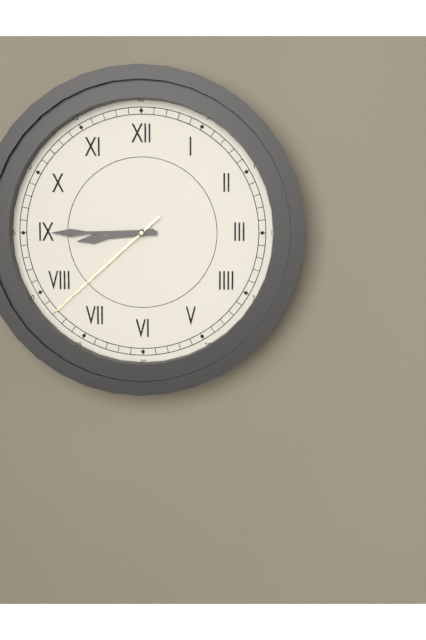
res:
8.45.38
